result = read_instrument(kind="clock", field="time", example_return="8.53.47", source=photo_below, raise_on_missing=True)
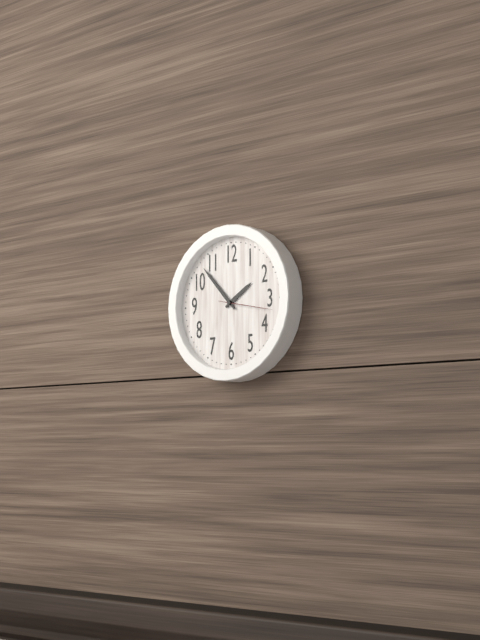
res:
1.53.17
